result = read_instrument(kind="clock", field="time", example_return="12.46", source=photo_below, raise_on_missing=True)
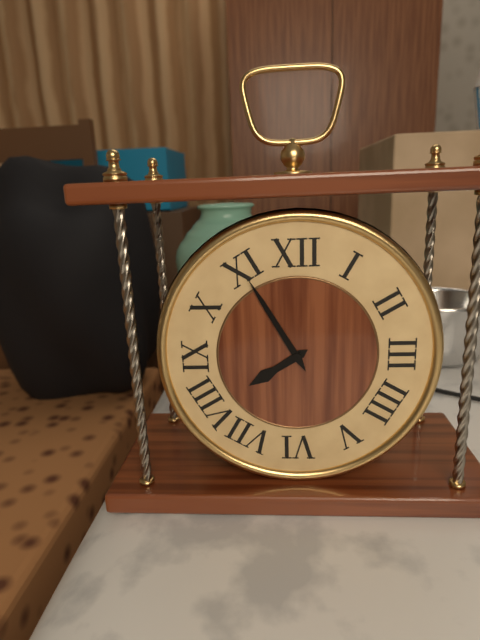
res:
7.55
